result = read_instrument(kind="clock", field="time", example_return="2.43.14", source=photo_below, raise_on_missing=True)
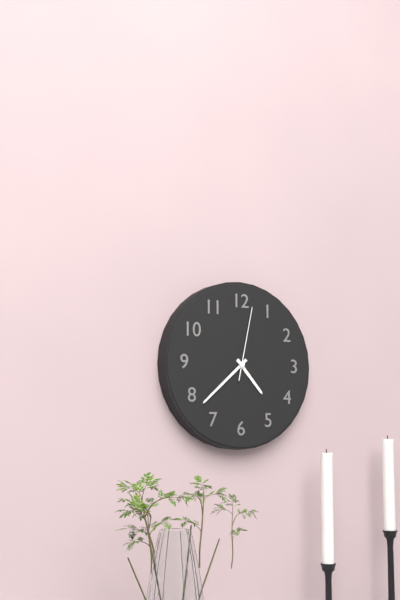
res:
4.38.02
